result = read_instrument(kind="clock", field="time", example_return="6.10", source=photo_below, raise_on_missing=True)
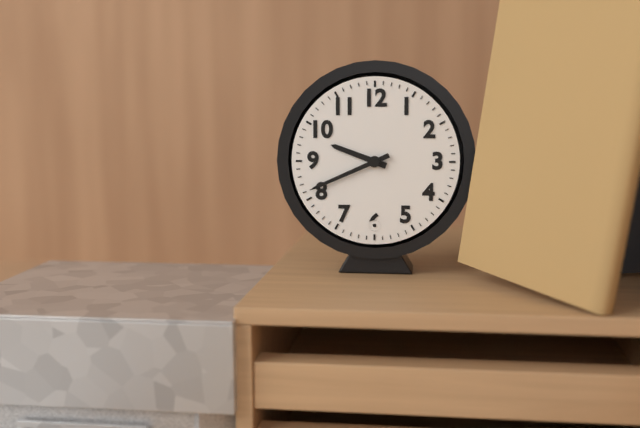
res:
9.41
